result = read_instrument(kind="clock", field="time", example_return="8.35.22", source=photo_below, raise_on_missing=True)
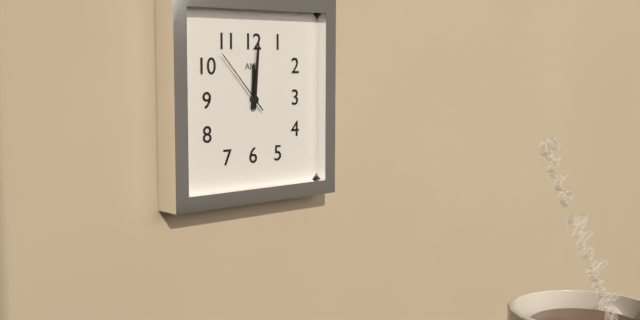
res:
12.01.53
